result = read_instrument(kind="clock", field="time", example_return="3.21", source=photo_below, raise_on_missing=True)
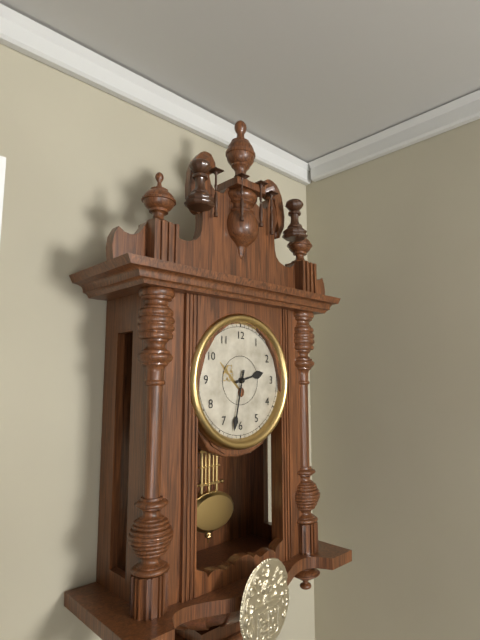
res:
2.32
